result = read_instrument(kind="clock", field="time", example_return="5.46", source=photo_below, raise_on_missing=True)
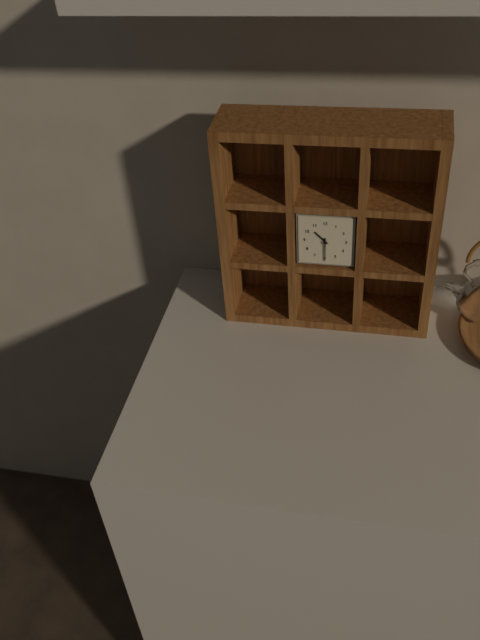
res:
10.30
